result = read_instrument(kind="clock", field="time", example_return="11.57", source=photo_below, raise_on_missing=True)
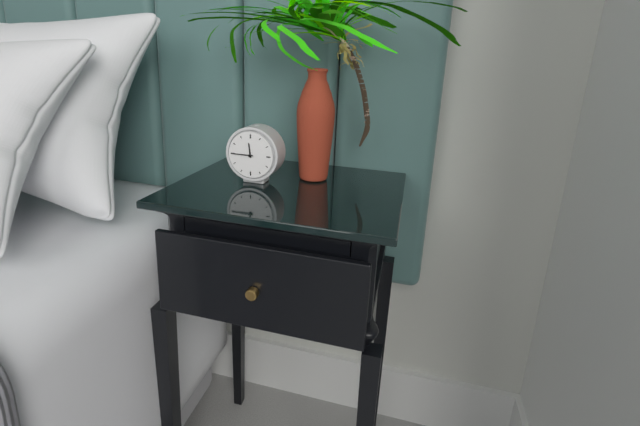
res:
11.45
